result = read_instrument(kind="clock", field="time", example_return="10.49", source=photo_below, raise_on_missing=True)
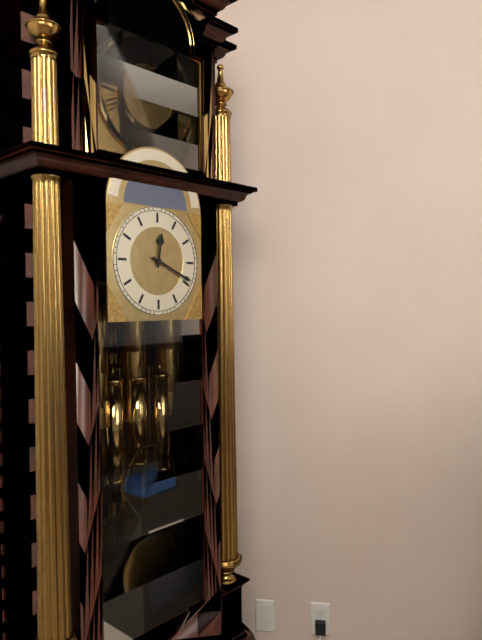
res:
12.19
